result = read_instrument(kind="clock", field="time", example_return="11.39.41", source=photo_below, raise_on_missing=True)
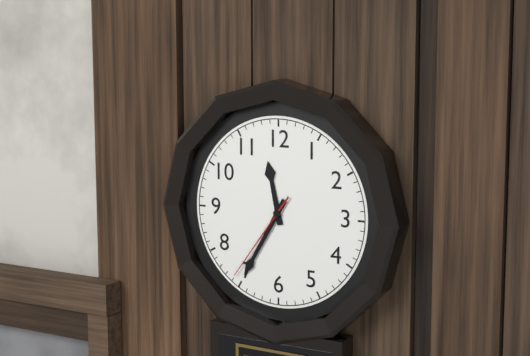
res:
11.35.36
